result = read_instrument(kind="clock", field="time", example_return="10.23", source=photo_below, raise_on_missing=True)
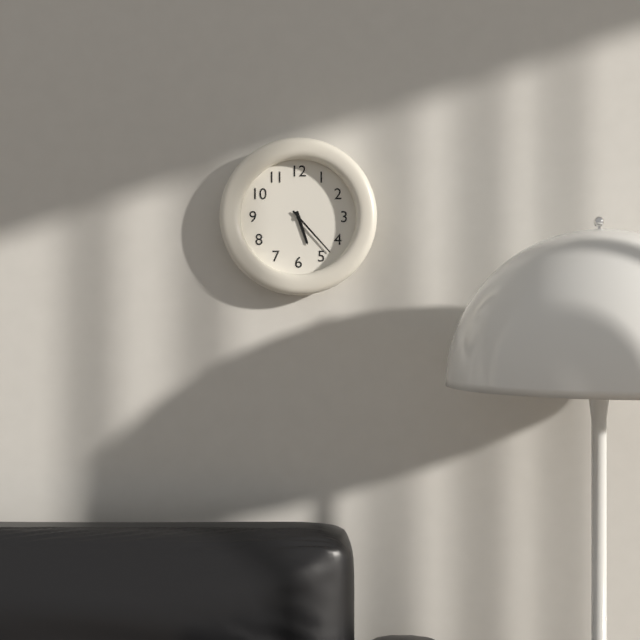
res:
5.23
